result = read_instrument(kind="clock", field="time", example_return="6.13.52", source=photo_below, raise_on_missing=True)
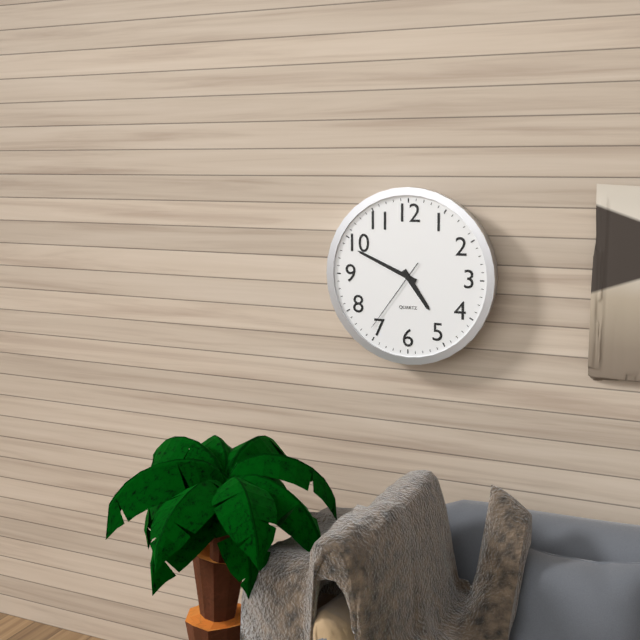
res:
4.49.36
